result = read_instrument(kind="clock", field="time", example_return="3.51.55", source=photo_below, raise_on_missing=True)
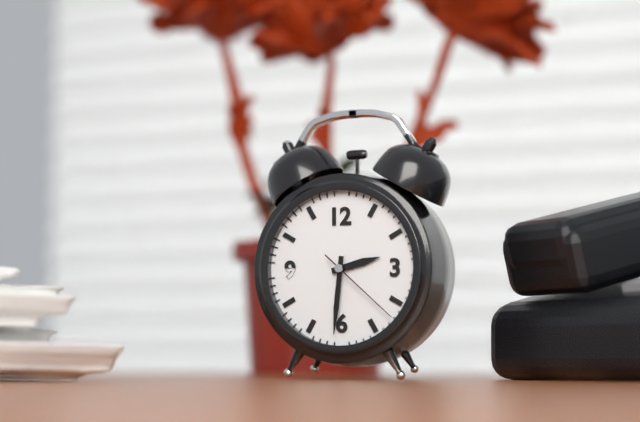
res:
2.31.22
